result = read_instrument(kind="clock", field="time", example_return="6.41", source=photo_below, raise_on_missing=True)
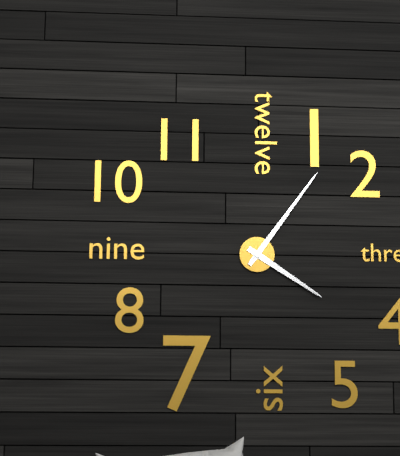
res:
4.06
